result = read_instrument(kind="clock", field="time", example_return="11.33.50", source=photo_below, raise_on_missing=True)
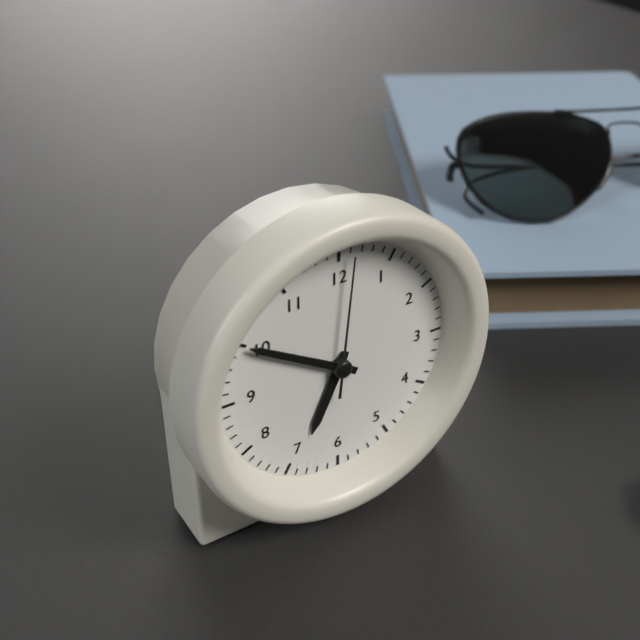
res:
6.50.01
